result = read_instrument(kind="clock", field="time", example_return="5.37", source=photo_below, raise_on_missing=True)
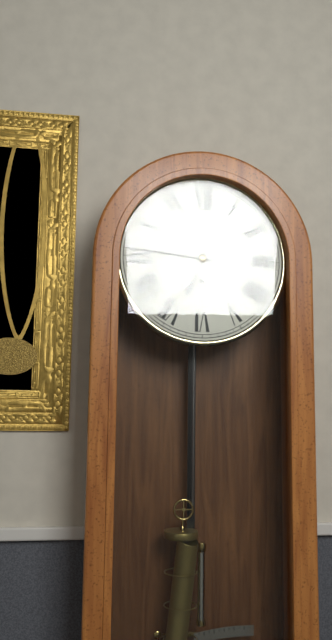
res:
6.46
